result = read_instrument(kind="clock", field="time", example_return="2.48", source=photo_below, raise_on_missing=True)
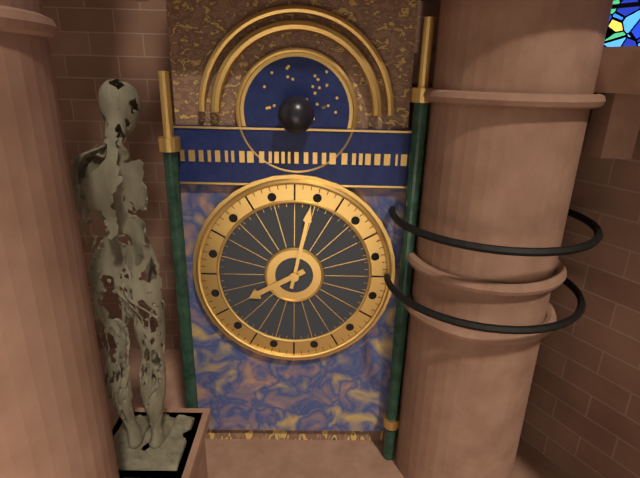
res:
8.02
